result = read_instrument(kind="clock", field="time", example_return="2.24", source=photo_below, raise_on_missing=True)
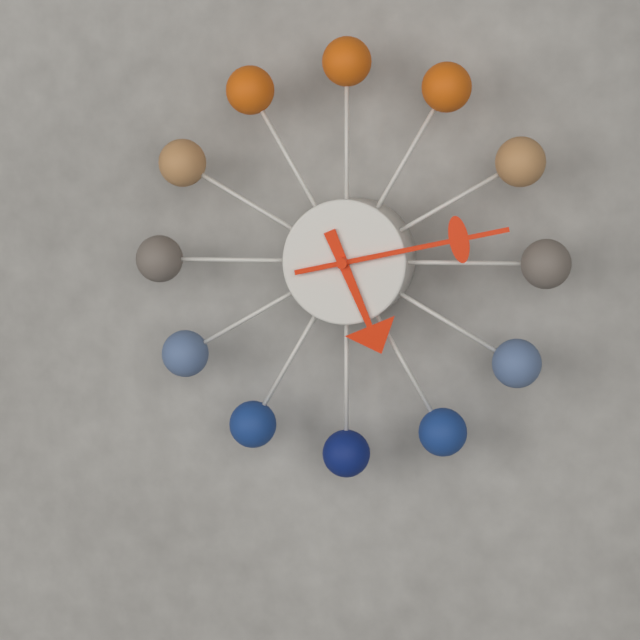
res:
5.13
